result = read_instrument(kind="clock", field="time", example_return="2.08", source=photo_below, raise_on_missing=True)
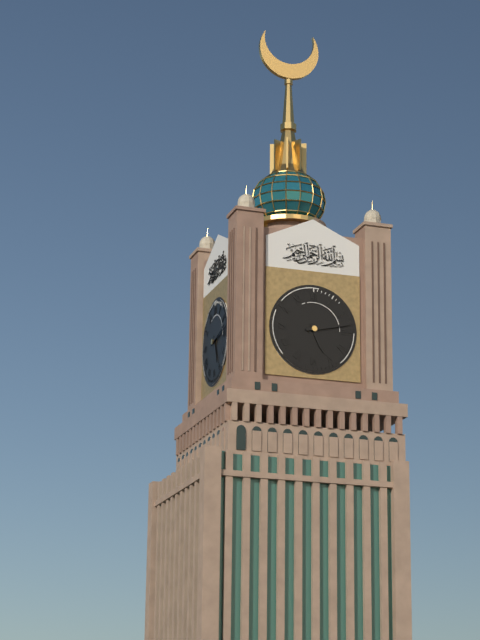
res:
5.13
